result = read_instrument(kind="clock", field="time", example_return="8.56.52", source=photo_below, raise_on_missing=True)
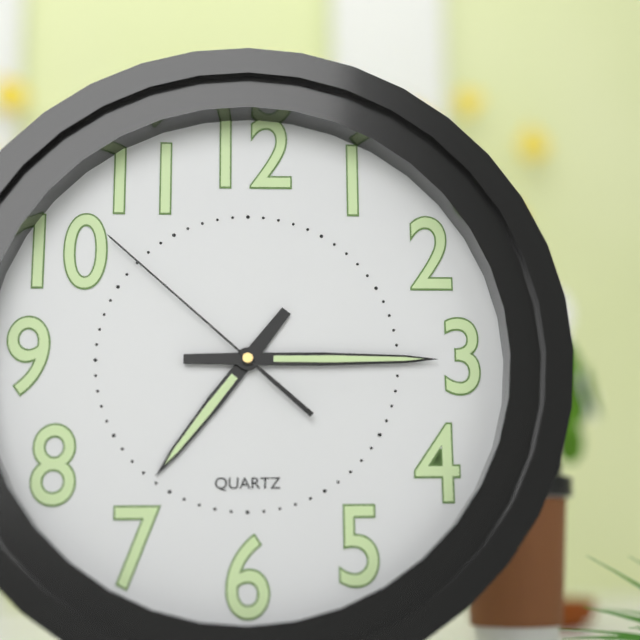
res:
7.15.52
